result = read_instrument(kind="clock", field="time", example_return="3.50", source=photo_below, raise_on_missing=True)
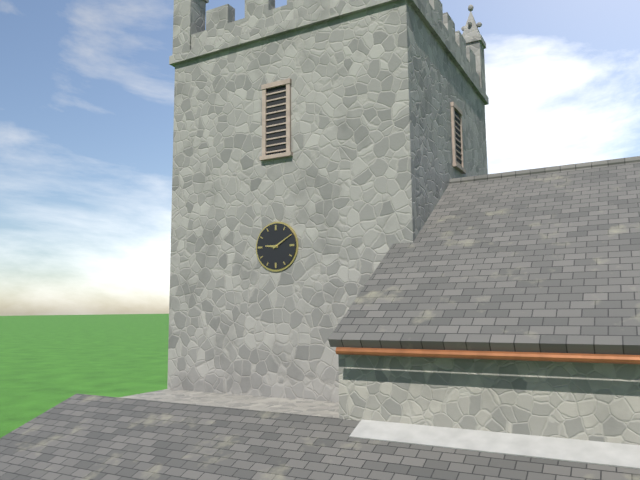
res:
9.10
